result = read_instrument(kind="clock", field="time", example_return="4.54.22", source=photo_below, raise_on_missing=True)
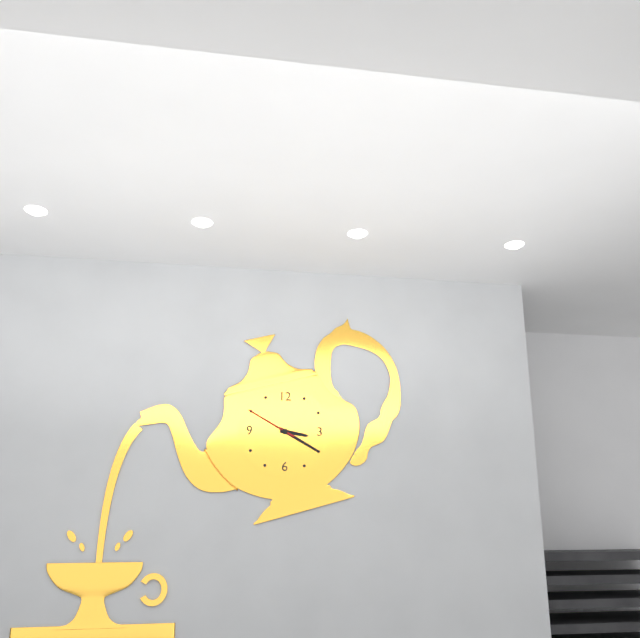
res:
3.20.50
